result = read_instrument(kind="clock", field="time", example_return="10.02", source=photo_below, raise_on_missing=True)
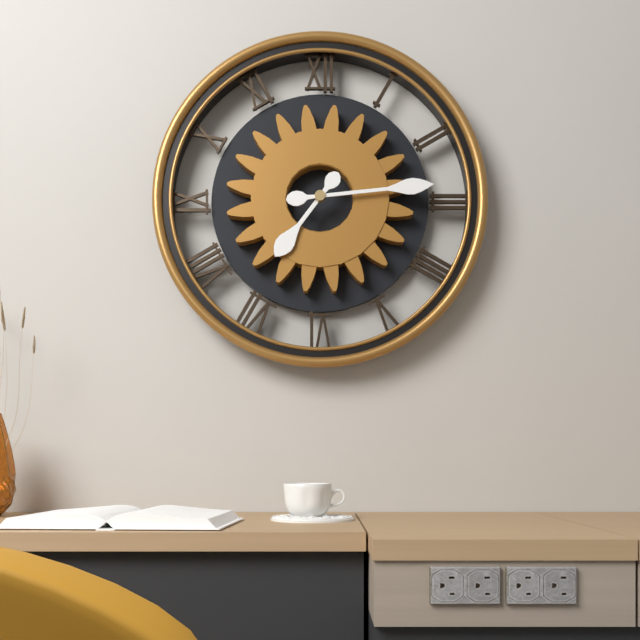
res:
7.14
